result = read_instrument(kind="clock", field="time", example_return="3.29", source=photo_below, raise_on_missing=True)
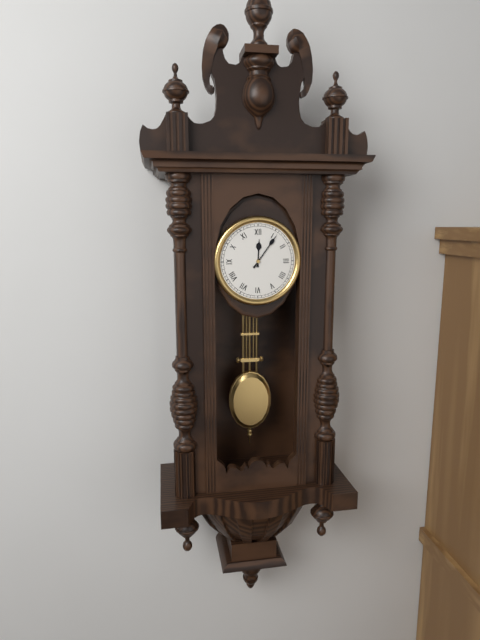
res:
12.06
